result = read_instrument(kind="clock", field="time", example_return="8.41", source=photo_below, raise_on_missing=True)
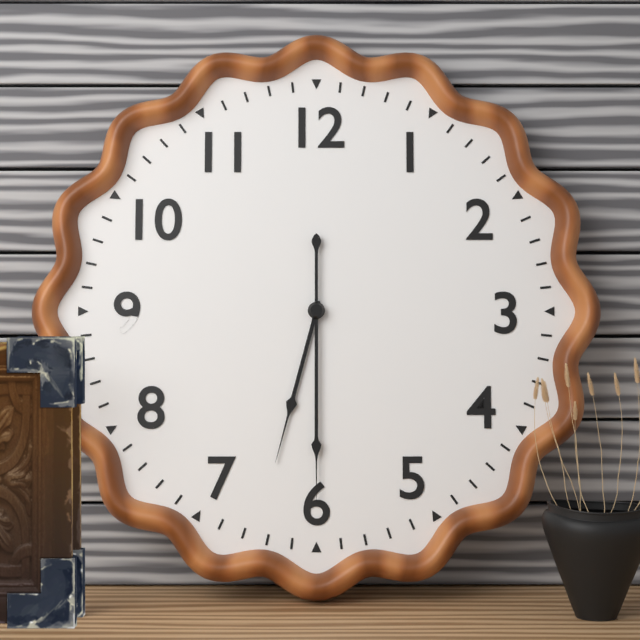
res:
6.30
